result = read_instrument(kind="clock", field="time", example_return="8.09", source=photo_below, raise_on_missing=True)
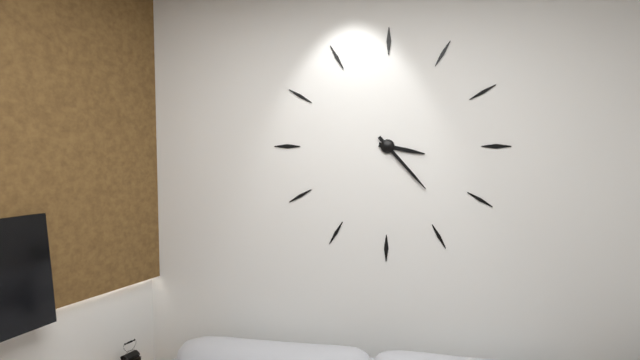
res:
3.23
